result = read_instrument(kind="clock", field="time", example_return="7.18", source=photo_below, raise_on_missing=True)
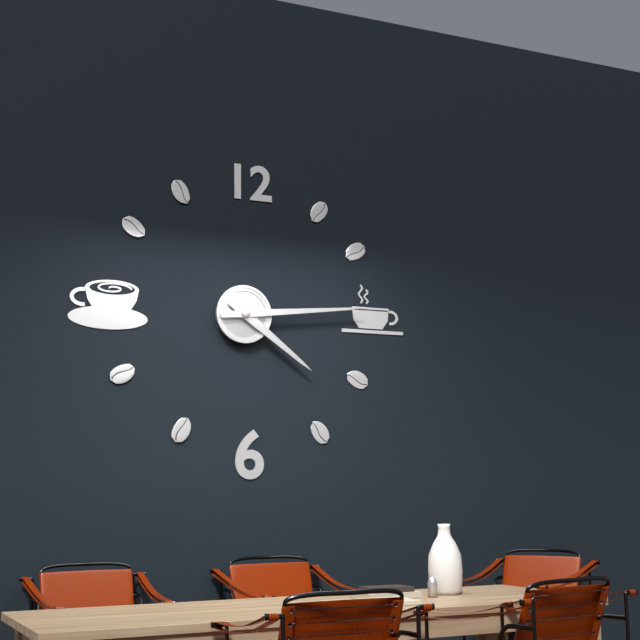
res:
4.14
